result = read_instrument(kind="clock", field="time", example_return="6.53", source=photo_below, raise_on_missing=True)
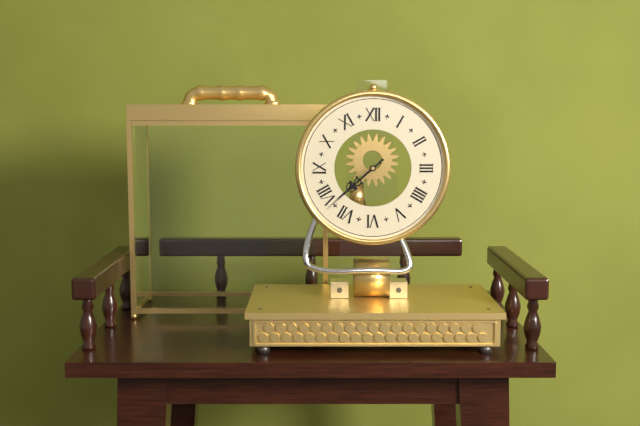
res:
7.38
